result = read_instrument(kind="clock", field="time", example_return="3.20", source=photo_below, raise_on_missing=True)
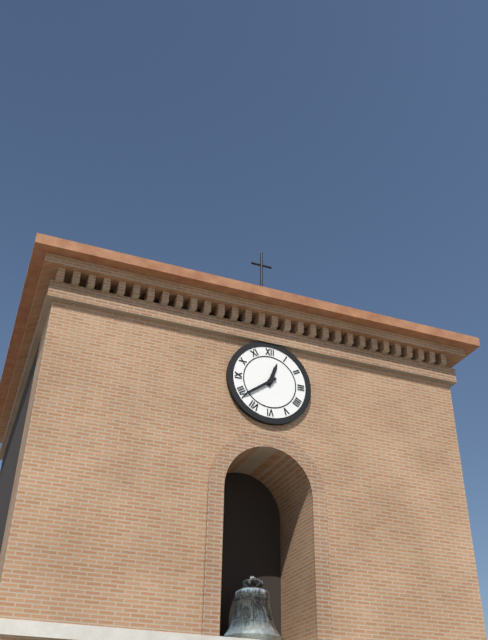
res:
12.39
